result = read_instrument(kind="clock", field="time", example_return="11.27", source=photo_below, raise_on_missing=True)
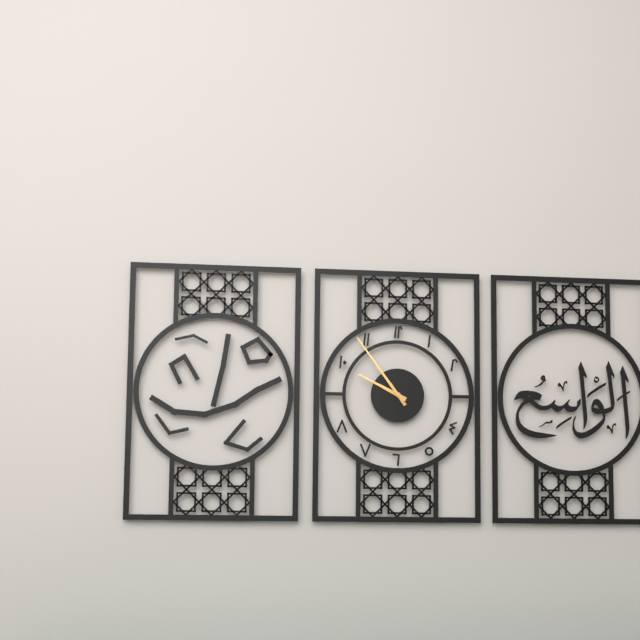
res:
9.54
